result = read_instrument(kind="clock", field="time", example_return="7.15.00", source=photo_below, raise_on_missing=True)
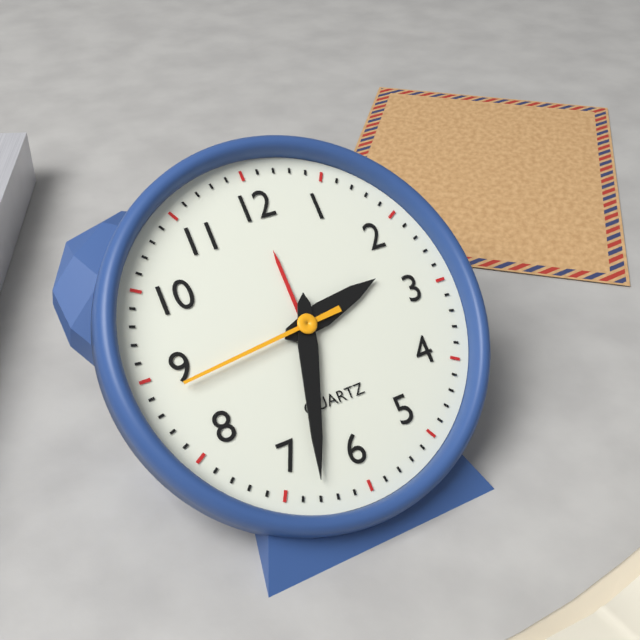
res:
2.33.44
